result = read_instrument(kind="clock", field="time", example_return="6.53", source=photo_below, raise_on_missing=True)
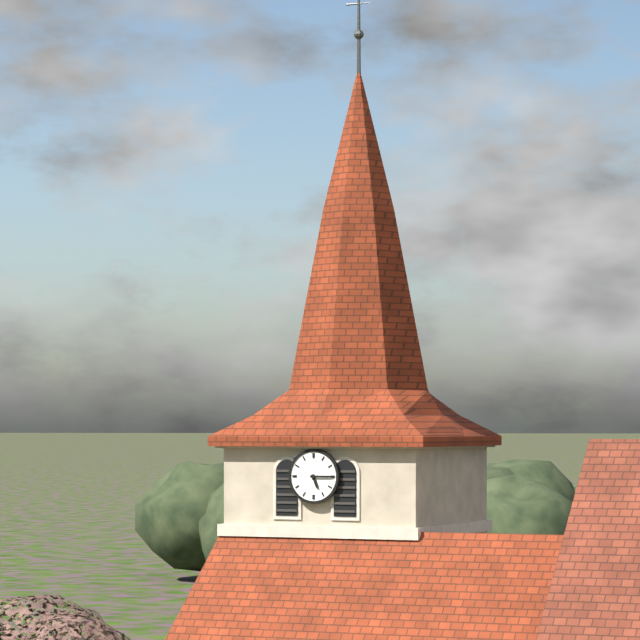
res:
5.15
